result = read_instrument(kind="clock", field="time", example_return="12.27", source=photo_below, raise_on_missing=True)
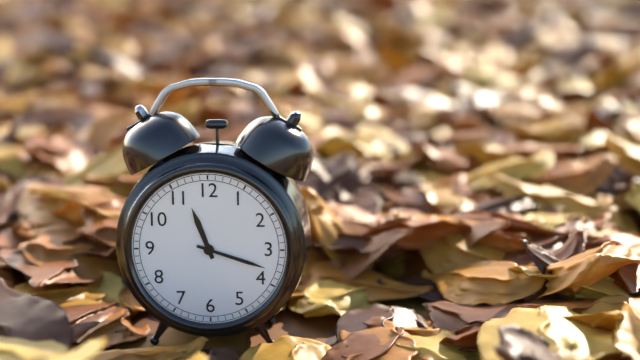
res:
11.18
